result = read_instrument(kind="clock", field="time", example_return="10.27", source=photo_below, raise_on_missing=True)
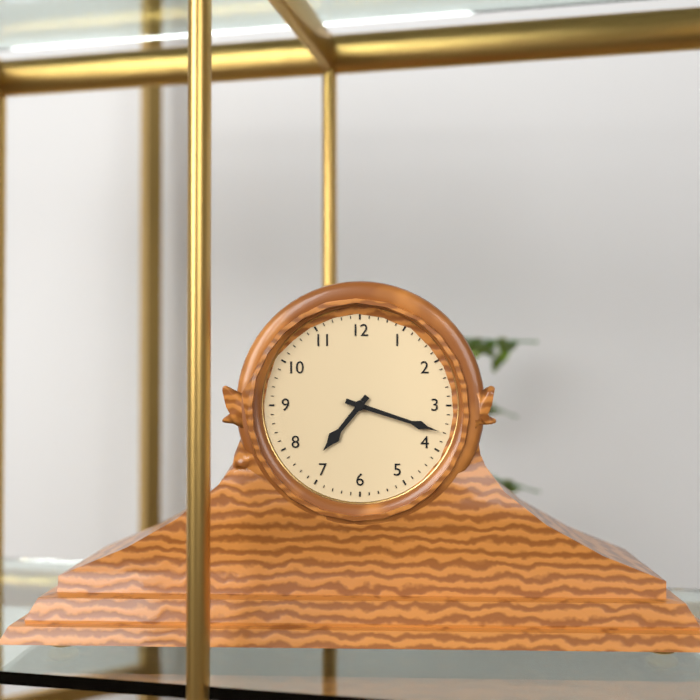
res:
7.18
